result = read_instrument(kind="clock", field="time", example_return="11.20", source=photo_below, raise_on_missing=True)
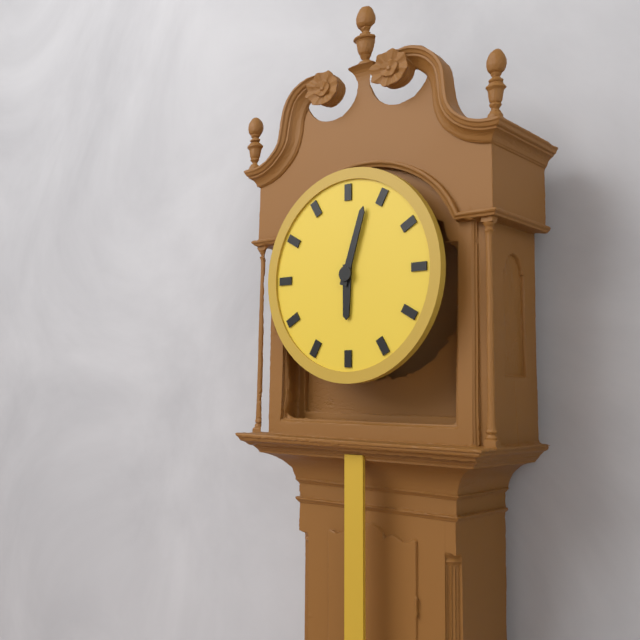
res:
6.03
